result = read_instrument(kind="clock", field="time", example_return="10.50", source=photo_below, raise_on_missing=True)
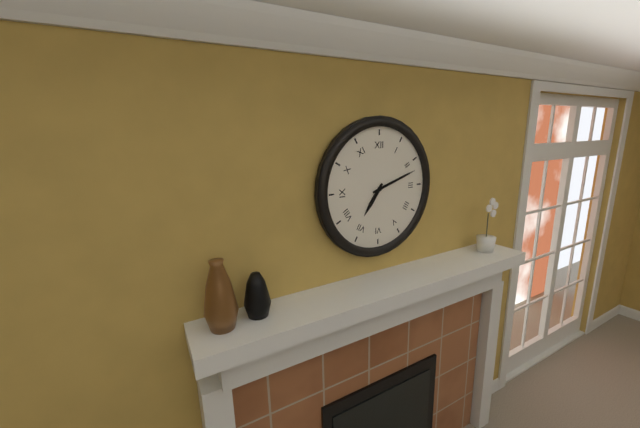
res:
7.12
